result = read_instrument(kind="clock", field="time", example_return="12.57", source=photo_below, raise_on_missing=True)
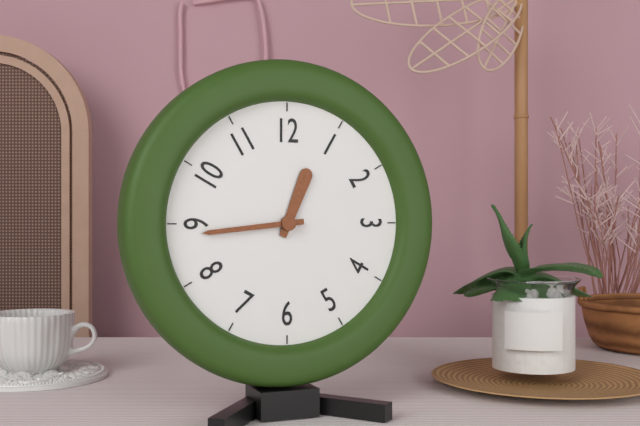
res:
12.44
